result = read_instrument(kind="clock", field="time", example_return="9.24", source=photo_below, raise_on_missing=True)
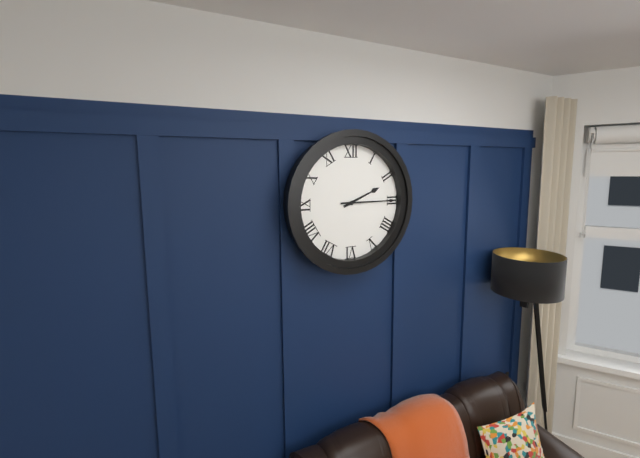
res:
2.15
